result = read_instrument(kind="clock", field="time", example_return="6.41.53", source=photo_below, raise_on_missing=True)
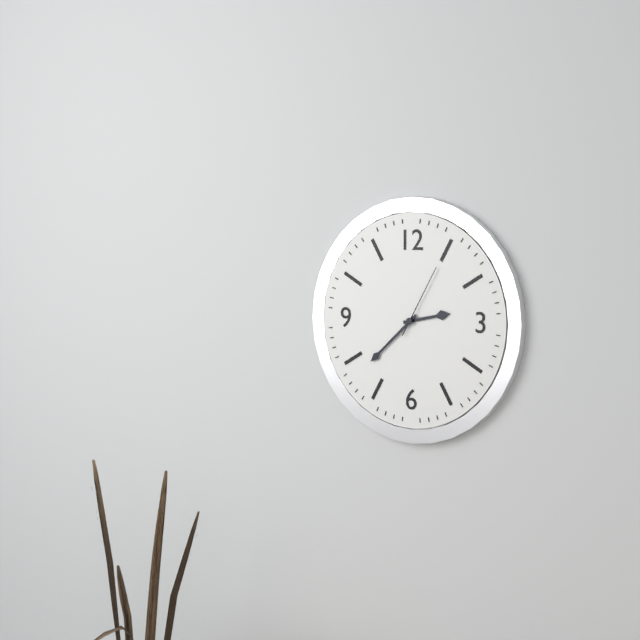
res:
2.38.05
